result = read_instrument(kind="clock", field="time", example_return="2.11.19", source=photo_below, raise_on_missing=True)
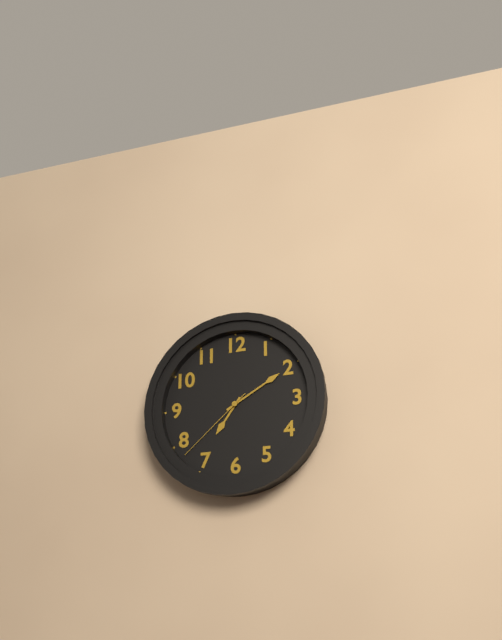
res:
7.10.38
